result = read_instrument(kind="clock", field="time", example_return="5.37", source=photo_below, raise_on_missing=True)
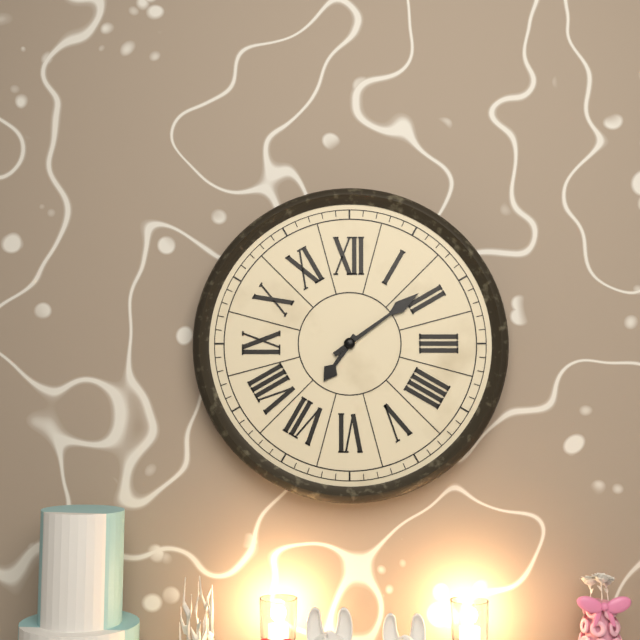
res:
7.09
